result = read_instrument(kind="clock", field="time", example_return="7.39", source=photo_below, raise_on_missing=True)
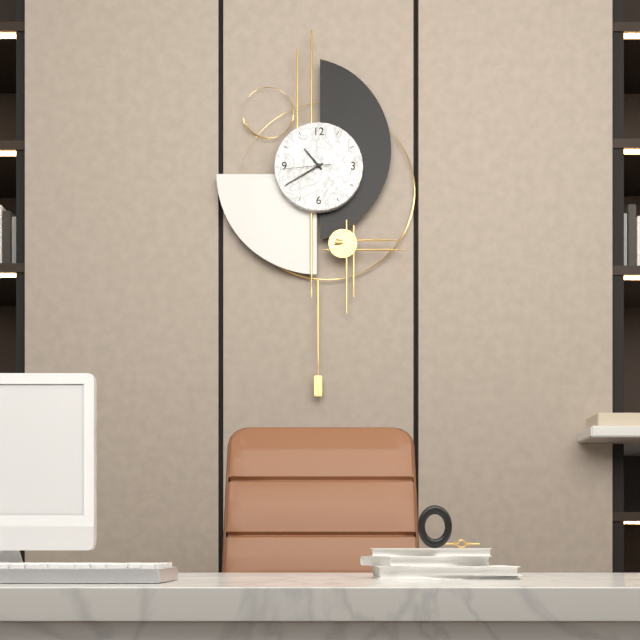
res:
10.40
